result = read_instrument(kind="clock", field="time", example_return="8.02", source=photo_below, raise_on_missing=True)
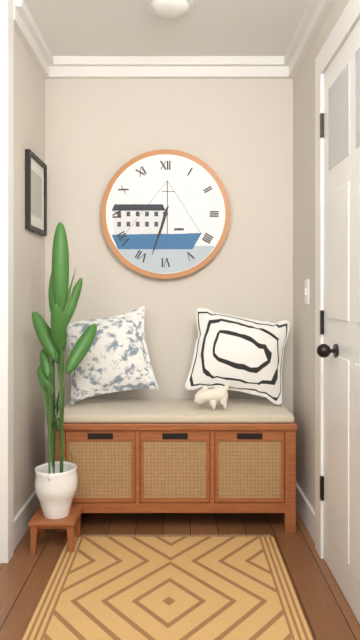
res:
6.33
